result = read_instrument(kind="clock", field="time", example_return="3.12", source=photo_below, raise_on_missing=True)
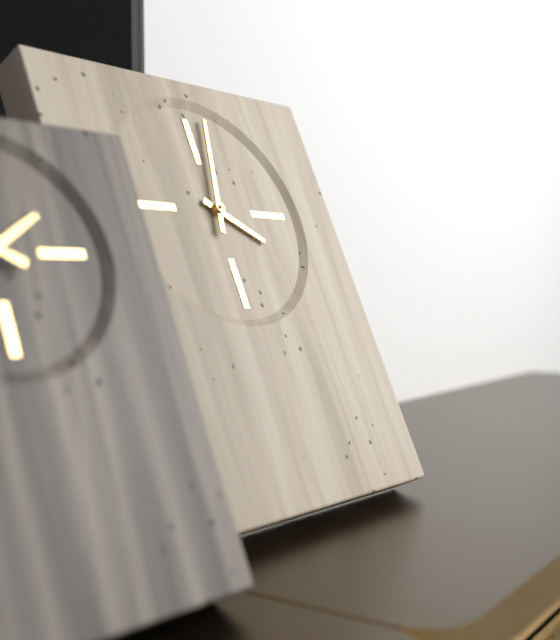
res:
4.02
